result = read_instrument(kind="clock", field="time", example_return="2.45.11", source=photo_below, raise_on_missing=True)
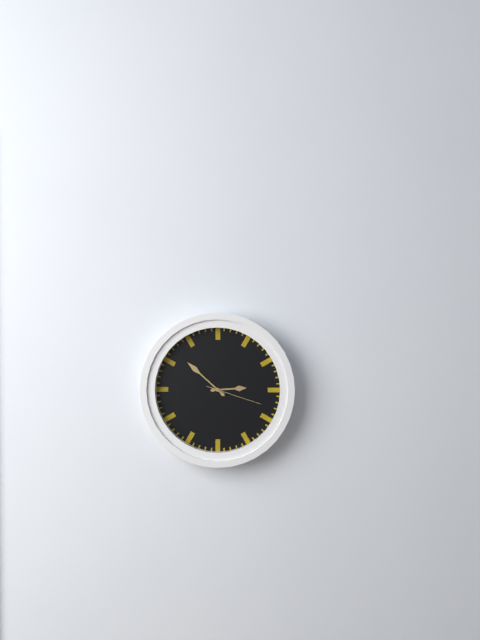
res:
2.52.18
